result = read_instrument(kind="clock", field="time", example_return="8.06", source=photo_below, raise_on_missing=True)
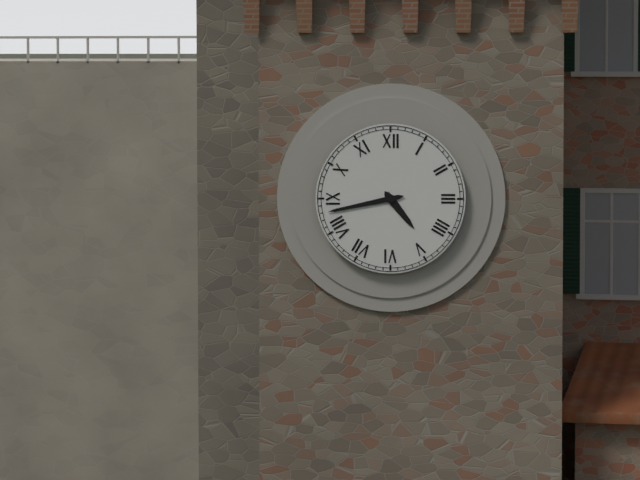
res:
4.43
